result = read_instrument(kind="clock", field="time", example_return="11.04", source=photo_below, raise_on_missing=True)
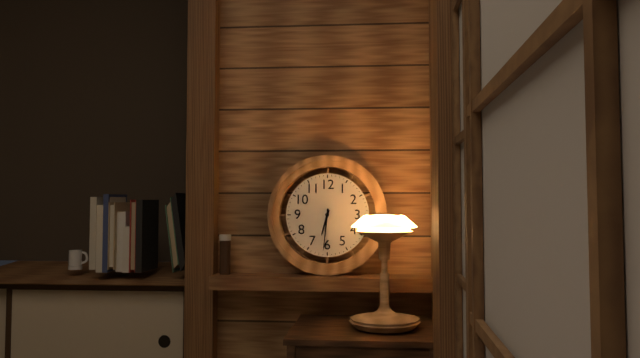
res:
6.31
